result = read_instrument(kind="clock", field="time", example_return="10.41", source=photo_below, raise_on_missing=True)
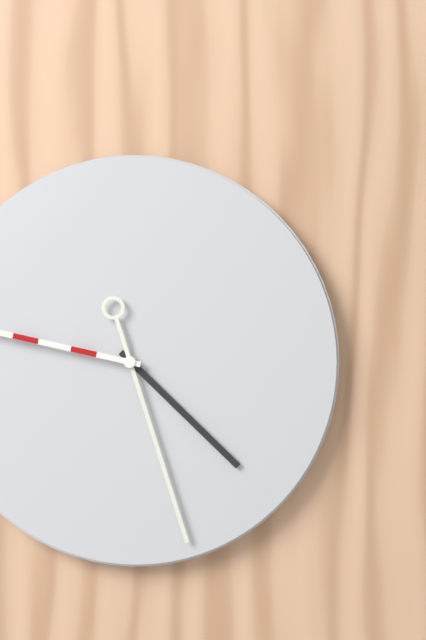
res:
4.27
